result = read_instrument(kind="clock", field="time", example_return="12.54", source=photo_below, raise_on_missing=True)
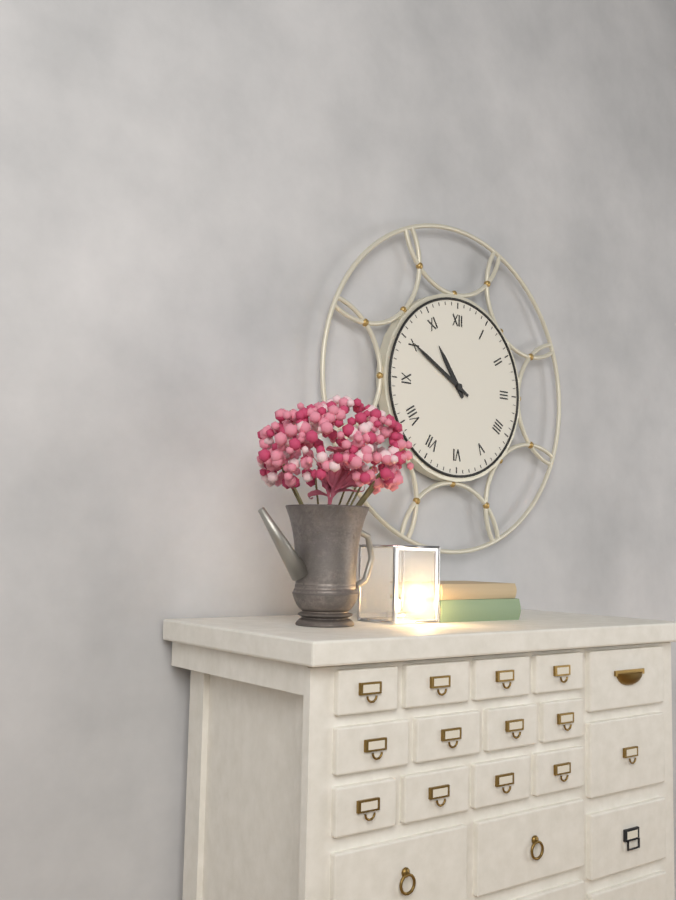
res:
10.50
